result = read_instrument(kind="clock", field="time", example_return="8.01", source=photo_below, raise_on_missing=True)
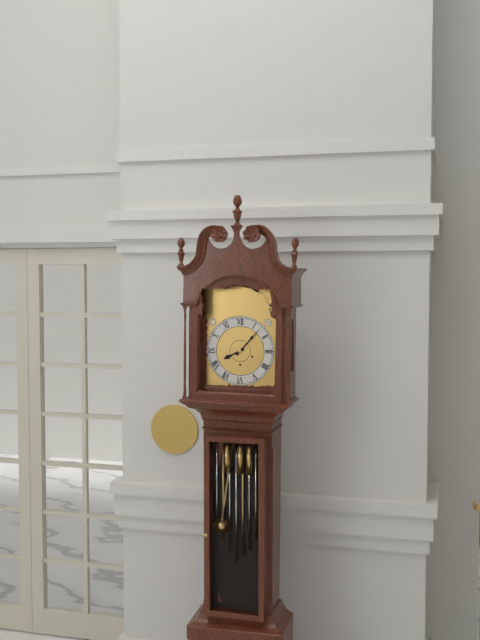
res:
8.07
